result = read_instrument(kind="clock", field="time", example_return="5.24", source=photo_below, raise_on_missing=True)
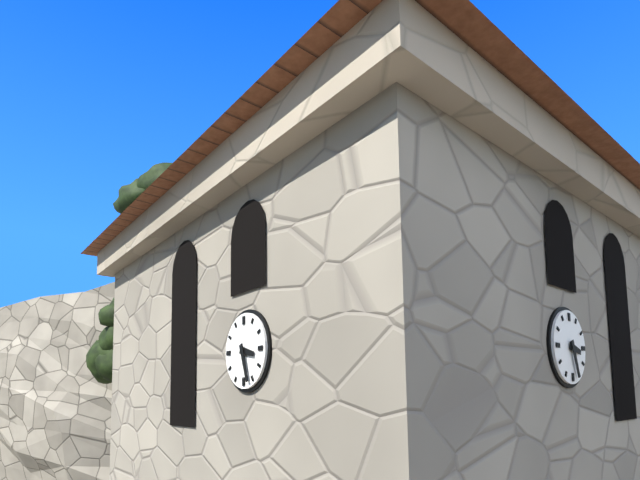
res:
3.27
